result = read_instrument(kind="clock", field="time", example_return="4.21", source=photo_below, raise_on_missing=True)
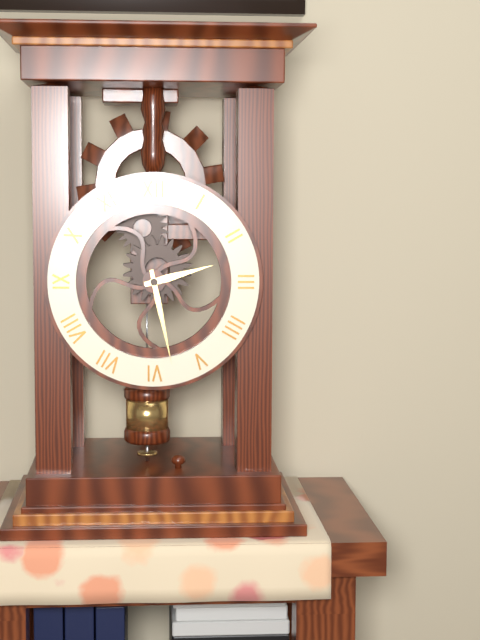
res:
2.28
